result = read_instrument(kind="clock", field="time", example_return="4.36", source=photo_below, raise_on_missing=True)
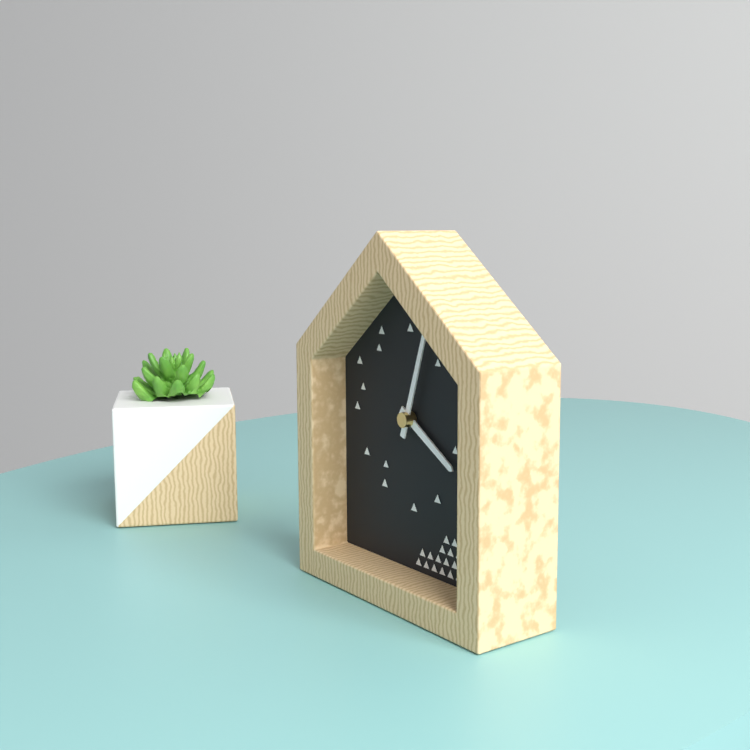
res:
4.03
